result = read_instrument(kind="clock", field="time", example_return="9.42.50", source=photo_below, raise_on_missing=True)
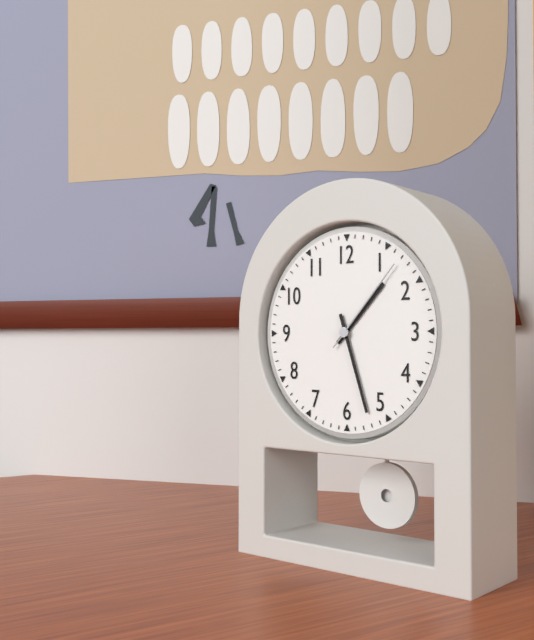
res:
1.27.07
